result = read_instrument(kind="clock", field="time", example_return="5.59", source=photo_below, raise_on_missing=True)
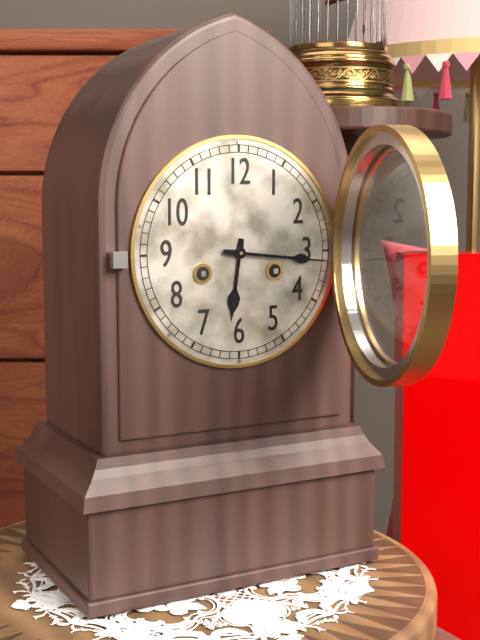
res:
6.16
